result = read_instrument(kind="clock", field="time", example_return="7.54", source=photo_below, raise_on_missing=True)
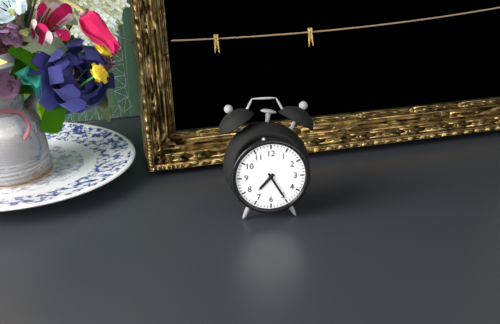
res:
7.25
